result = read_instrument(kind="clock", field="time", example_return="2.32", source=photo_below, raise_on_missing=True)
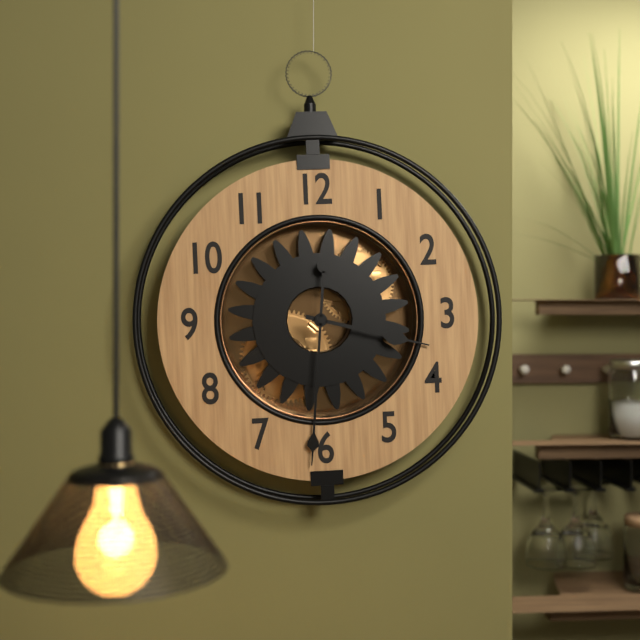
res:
3.31
